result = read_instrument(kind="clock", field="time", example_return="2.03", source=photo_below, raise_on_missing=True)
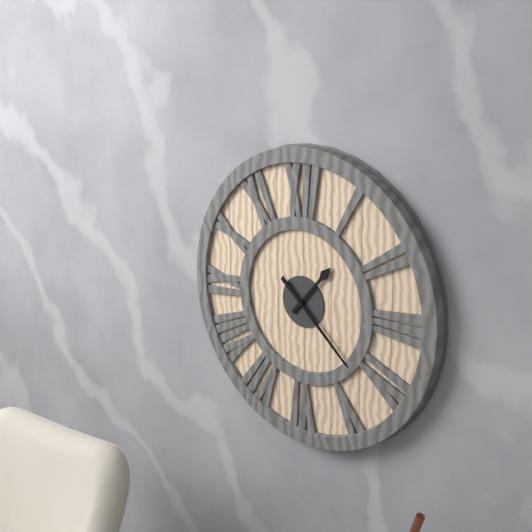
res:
1.22
